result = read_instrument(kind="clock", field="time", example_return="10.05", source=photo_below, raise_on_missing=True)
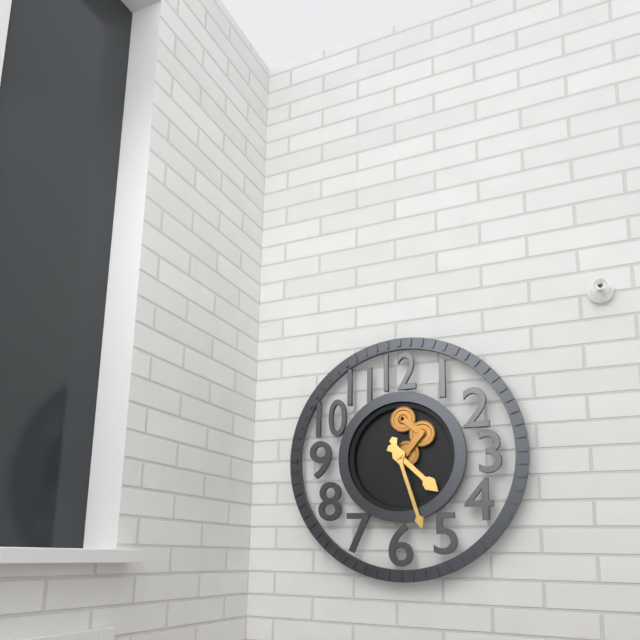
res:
4.27
